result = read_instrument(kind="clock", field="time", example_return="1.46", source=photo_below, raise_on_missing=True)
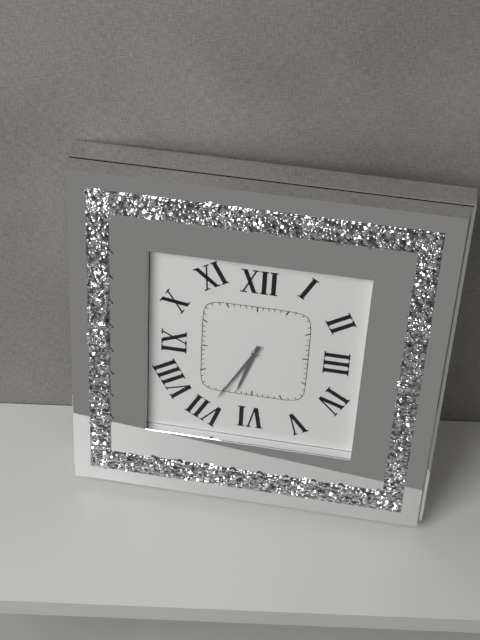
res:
6.35
